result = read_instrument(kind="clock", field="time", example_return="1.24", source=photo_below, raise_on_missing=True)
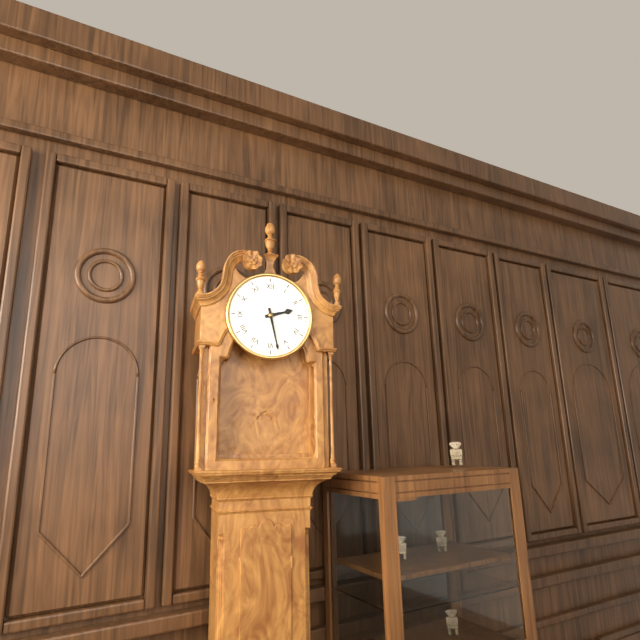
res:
2.28
